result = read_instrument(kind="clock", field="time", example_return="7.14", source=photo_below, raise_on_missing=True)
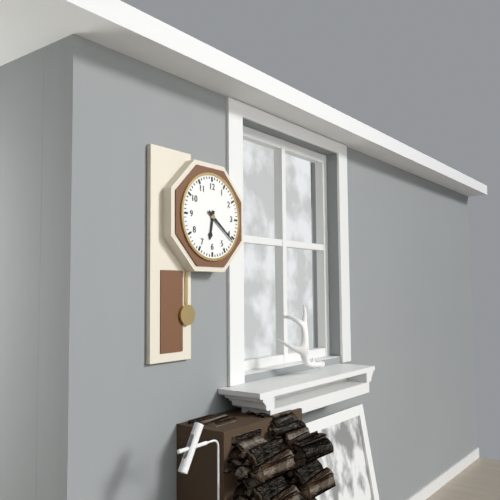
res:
6.21
